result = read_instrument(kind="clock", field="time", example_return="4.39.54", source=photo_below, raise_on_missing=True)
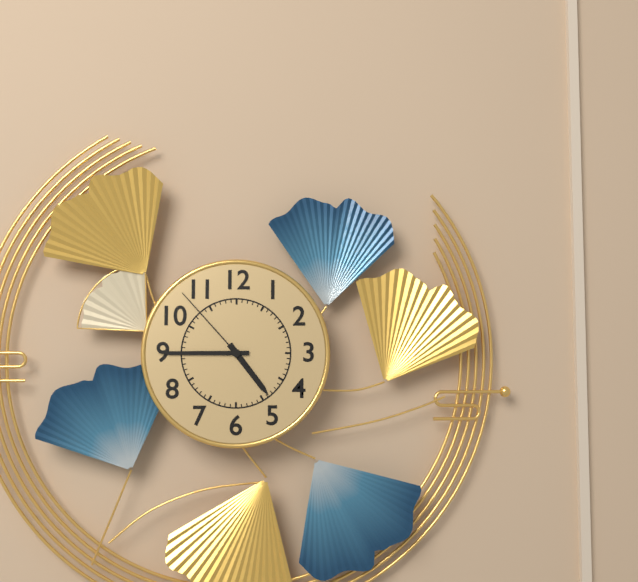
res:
4.45.53
